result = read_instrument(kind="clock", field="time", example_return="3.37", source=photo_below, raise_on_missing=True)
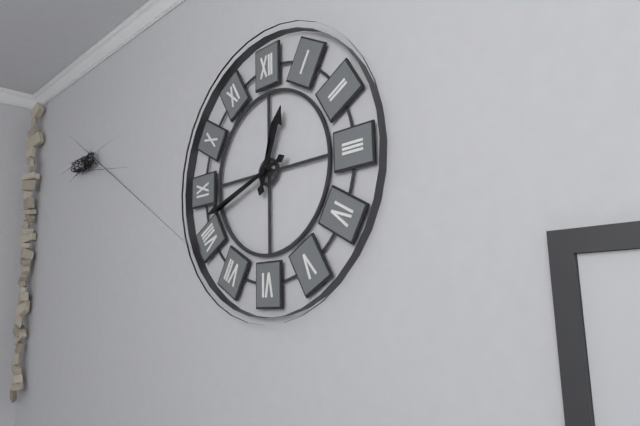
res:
12.42
